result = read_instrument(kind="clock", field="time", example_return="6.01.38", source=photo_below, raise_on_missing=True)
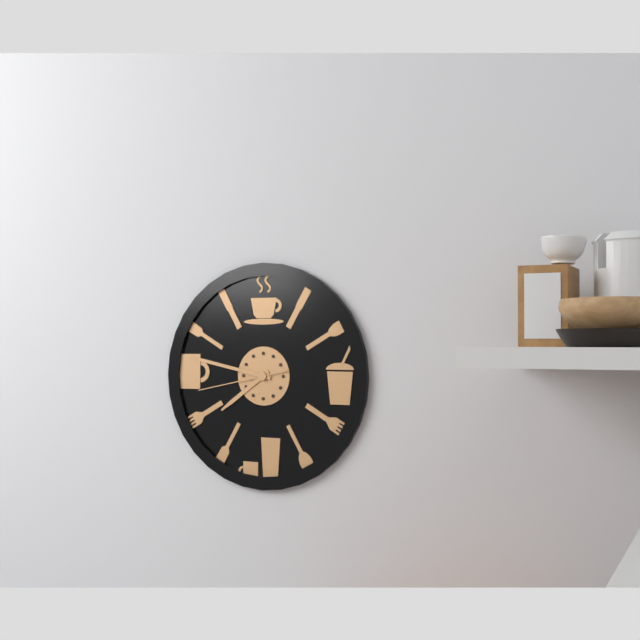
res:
7.47.43
